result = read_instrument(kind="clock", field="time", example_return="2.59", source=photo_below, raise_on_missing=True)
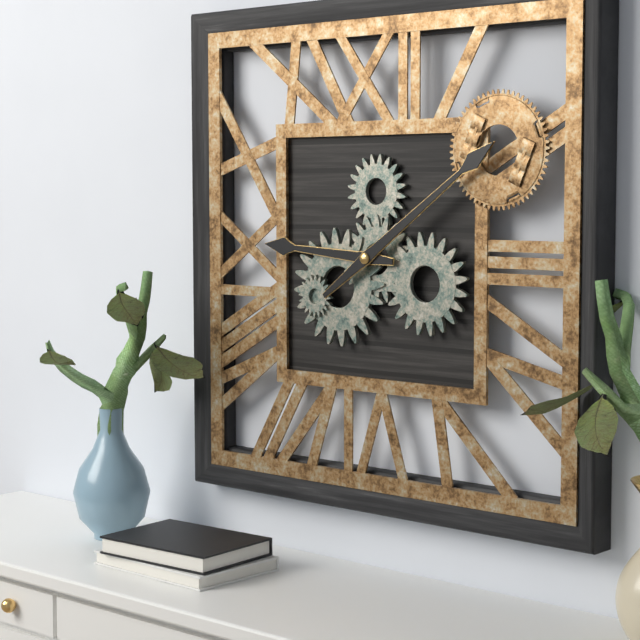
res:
9.09
